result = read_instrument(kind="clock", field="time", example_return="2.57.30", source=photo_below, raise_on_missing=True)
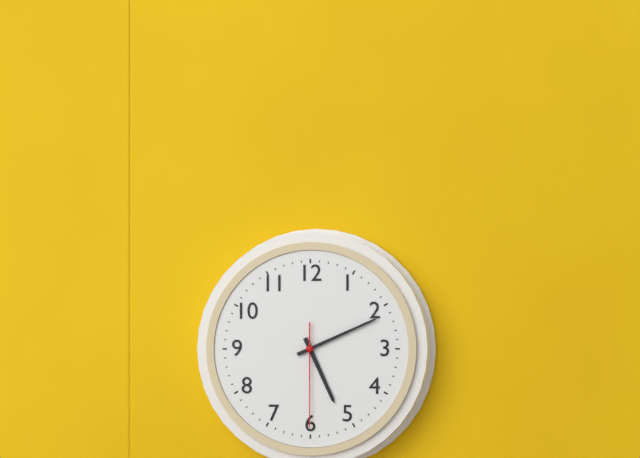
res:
5.11.30
